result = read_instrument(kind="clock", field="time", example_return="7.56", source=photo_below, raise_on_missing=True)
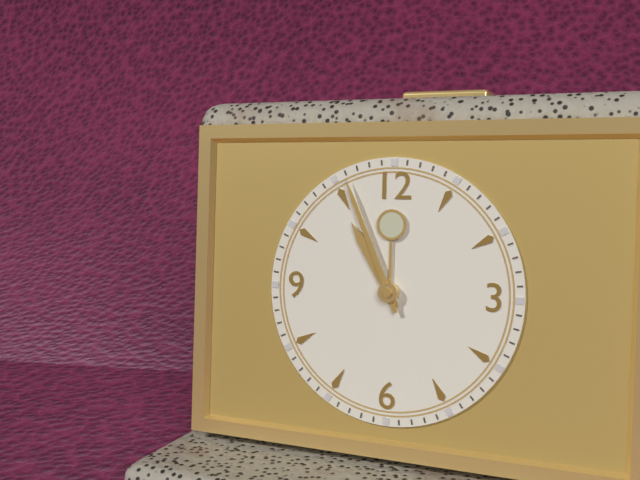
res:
10.56
